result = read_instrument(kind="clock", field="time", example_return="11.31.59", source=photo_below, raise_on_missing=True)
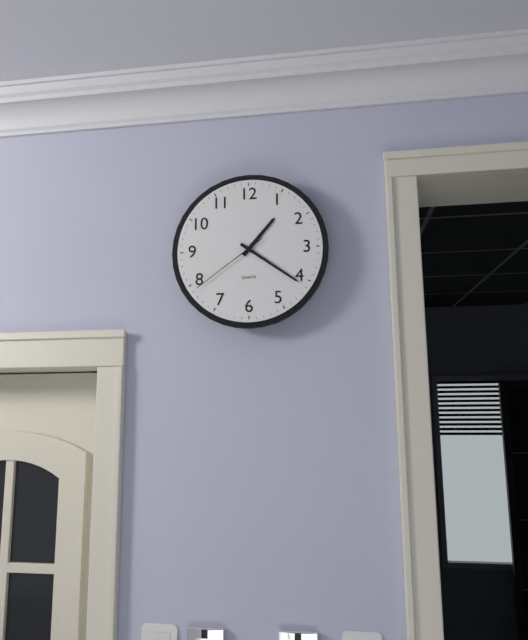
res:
1.21.39
